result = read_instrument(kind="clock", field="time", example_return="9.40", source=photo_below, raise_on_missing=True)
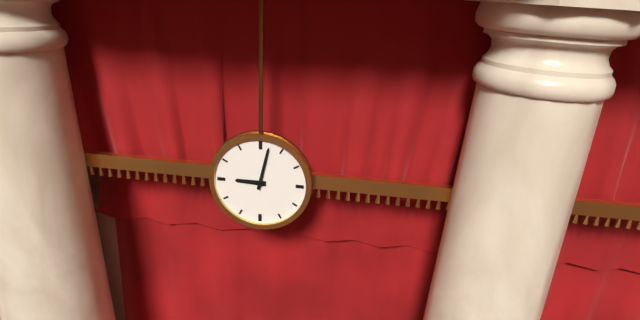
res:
9.02
